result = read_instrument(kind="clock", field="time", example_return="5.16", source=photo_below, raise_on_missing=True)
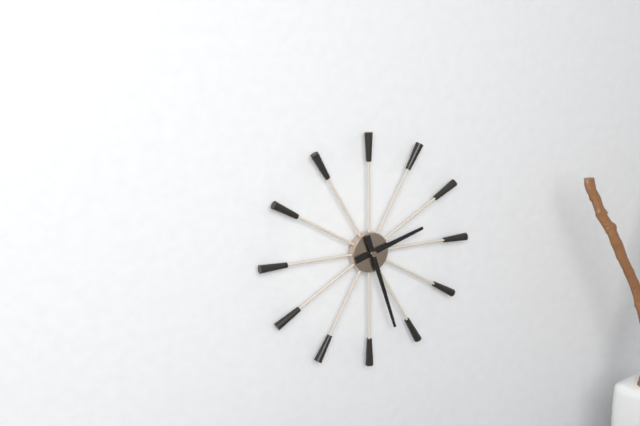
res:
2.27
